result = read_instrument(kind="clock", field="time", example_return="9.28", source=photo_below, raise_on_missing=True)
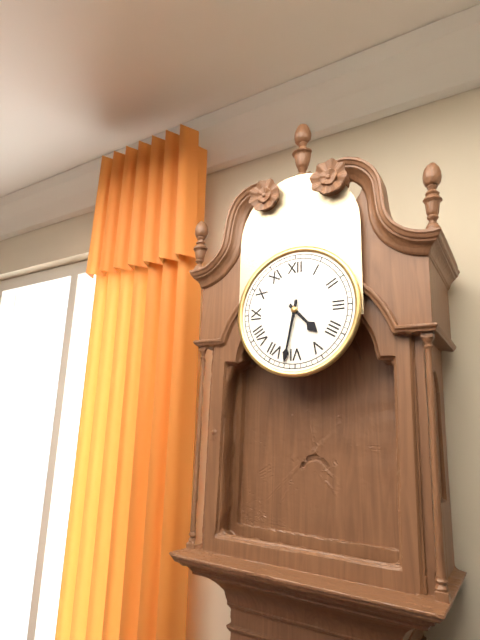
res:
4.32
